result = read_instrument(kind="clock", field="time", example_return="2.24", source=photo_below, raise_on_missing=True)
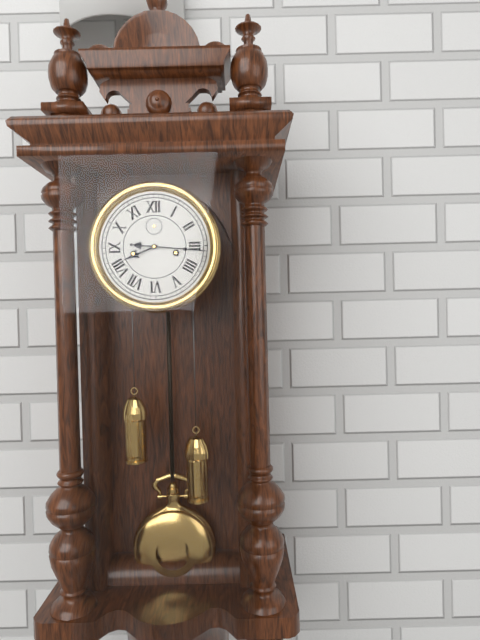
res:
8.16
